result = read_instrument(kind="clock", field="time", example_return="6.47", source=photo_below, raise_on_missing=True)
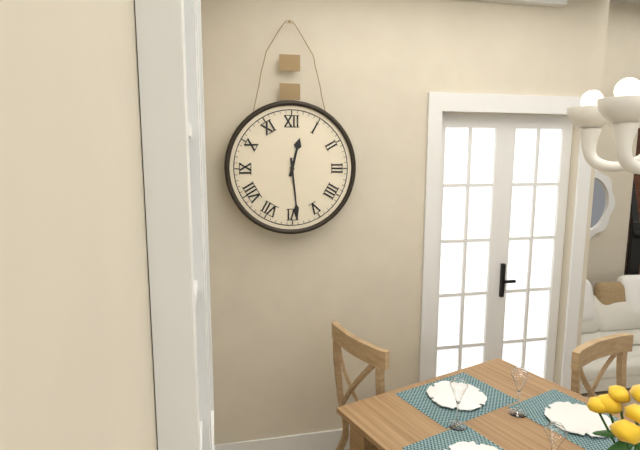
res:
12.29
